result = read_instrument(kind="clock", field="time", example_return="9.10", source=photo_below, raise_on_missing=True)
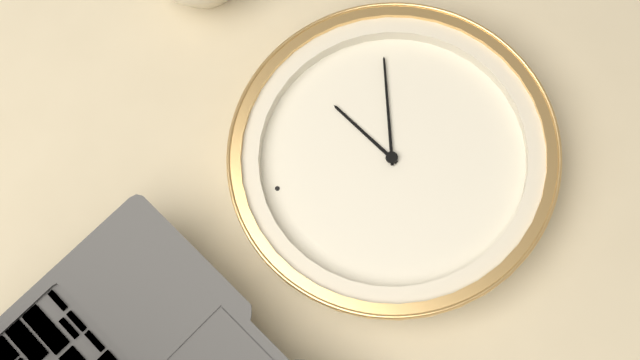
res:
1.13
